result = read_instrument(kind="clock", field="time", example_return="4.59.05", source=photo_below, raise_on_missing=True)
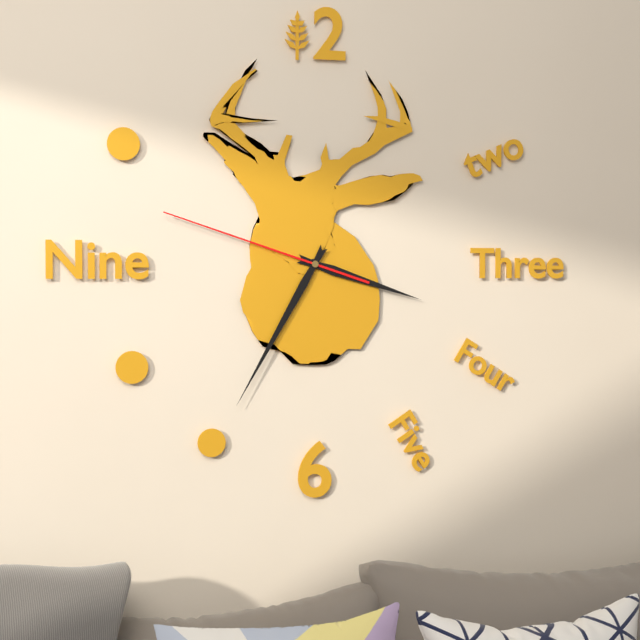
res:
3.35.48
